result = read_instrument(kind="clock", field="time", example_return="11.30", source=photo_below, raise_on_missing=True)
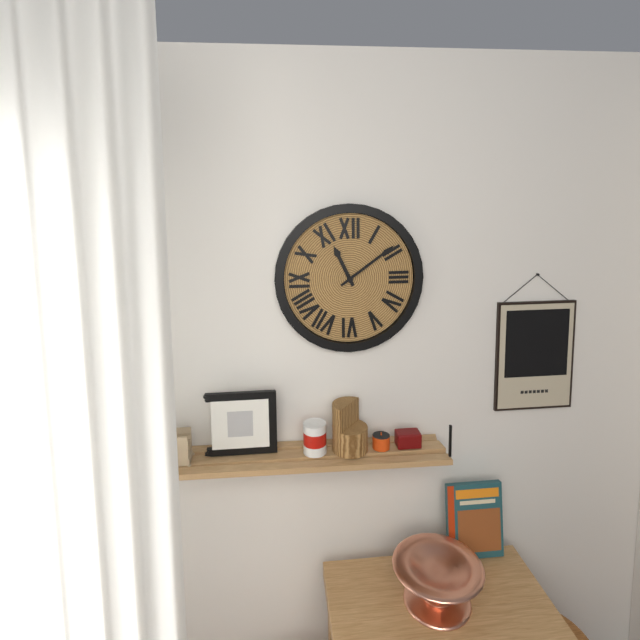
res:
11.09
